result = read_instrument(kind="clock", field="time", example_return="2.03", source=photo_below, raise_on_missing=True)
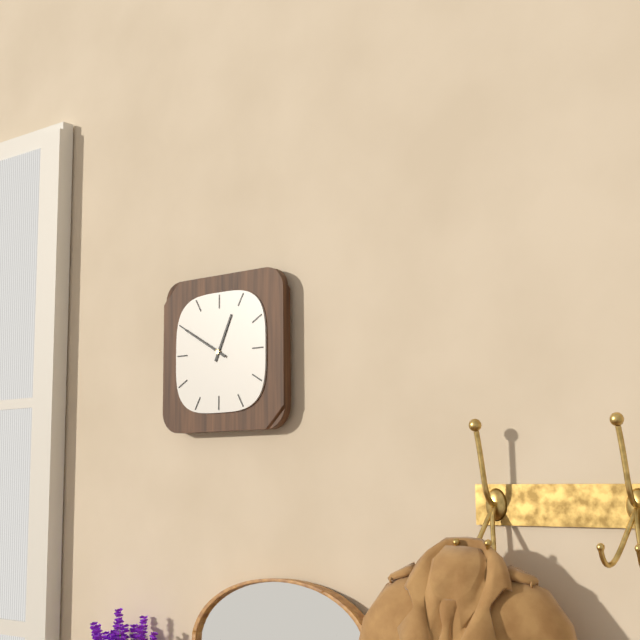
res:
12.50
